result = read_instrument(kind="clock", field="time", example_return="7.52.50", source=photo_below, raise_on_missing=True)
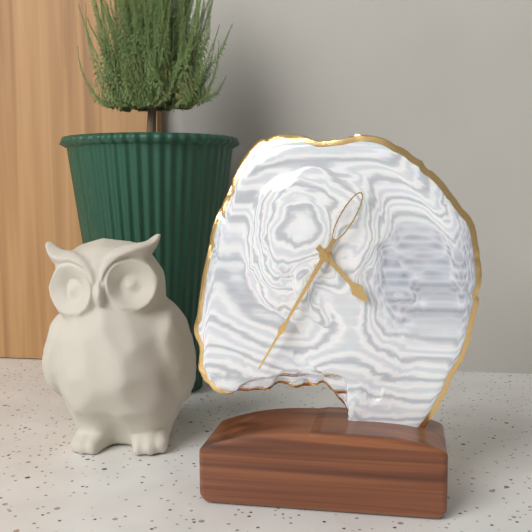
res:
4.35.35
